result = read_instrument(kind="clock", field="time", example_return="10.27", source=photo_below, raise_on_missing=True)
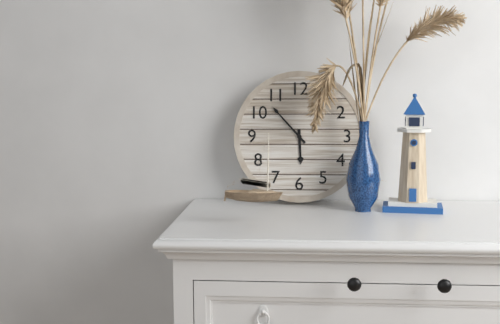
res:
5.53
